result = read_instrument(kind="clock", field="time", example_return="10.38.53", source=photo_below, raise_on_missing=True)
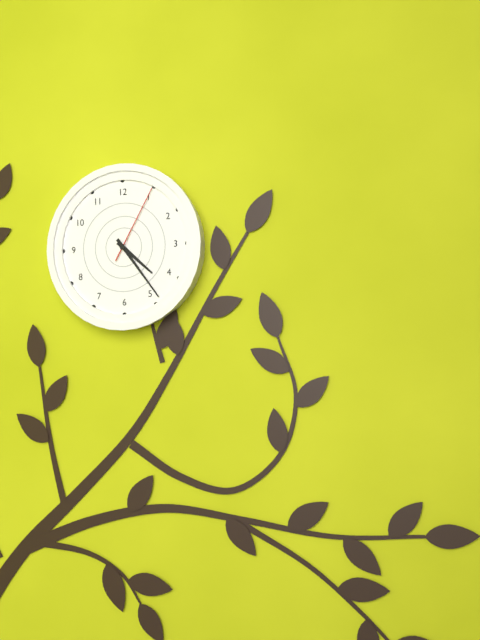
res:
4.24.05
